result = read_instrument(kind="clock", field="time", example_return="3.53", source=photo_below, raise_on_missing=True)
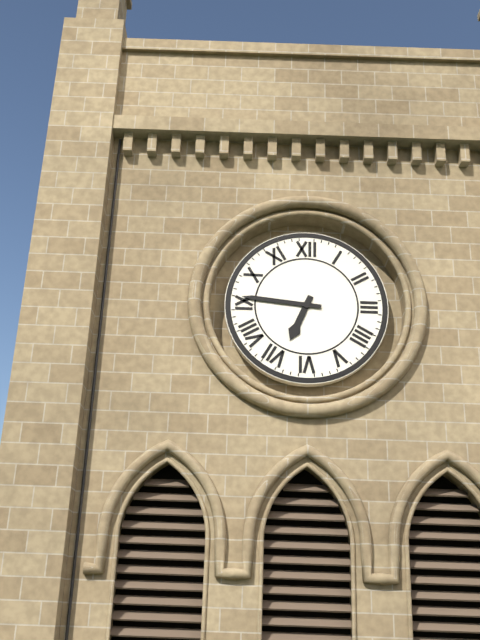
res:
6.46
